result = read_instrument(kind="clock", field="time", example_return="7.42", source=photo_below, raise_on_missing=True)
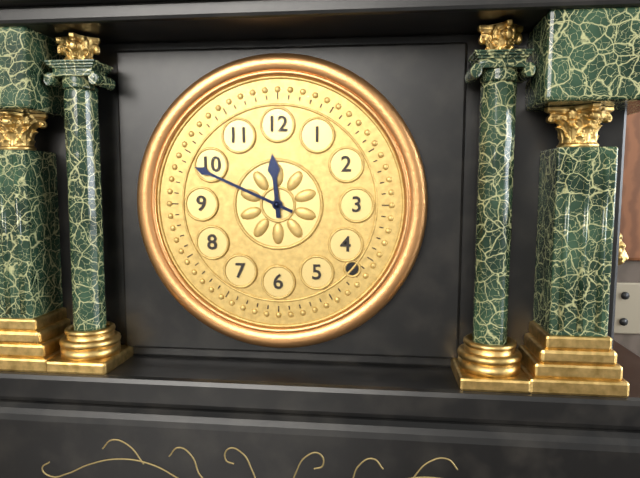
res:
11.49
